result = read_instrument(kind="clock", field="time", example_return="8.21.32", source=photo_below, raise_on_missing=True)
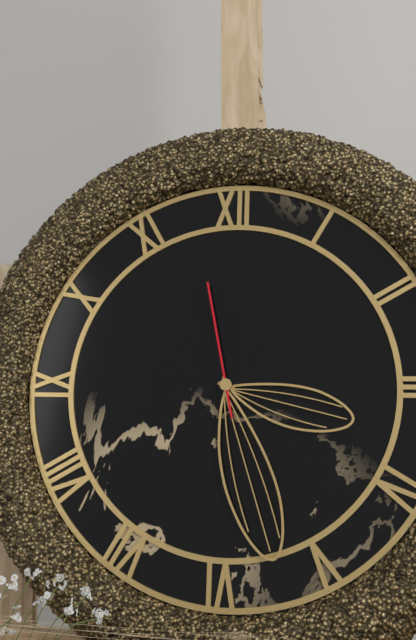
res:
3.27.58
